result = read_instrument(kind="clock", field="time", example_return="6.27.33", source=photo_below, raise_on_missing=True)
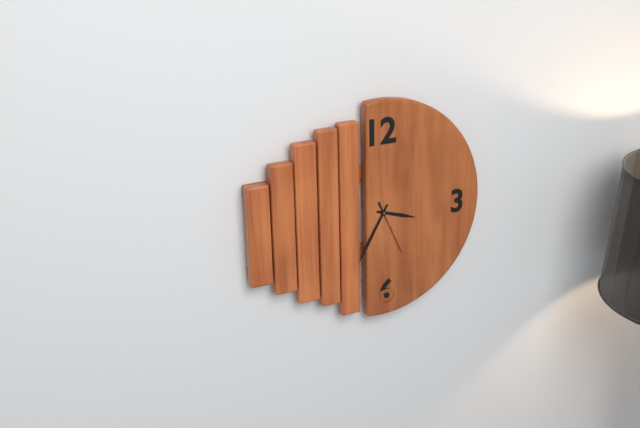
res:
3.35.26
